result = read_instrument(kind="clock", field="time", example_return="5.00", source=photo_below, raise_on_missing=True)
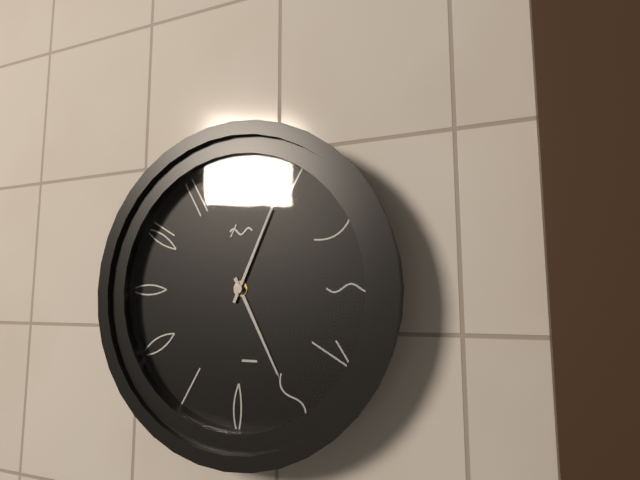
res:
5.04
